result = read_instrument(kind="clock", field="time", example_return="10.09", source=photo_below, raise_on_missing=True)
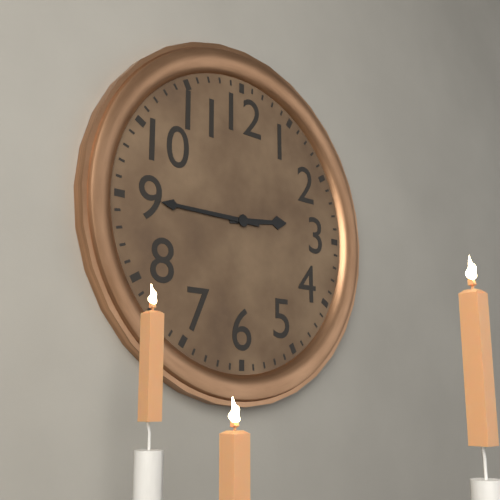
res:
2.45
